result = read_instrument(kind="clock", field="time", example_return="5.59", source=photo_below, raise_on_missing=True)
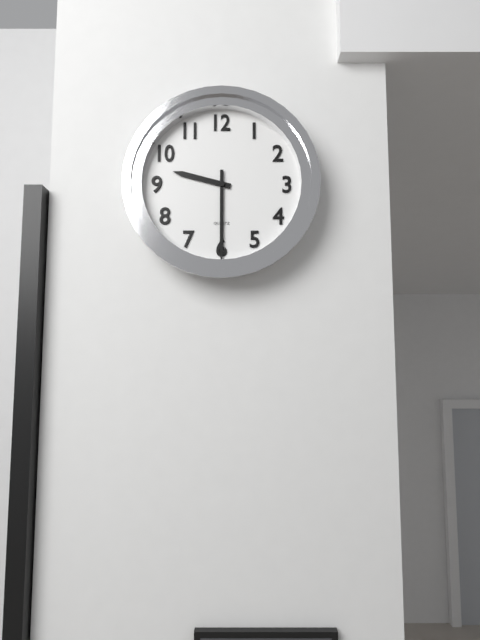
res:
9.30
